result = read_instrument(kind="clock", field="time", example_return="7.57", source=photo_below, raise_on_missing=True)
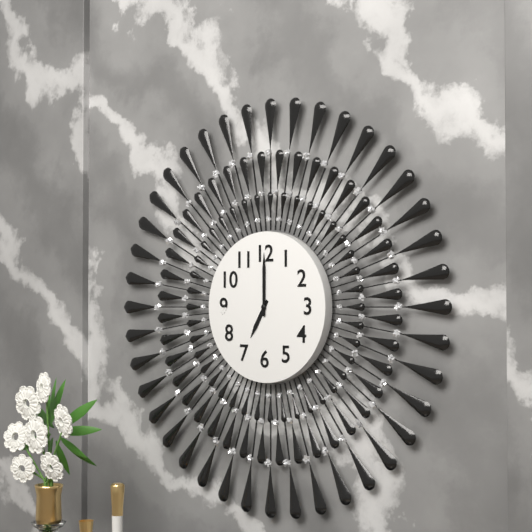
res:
7.00
